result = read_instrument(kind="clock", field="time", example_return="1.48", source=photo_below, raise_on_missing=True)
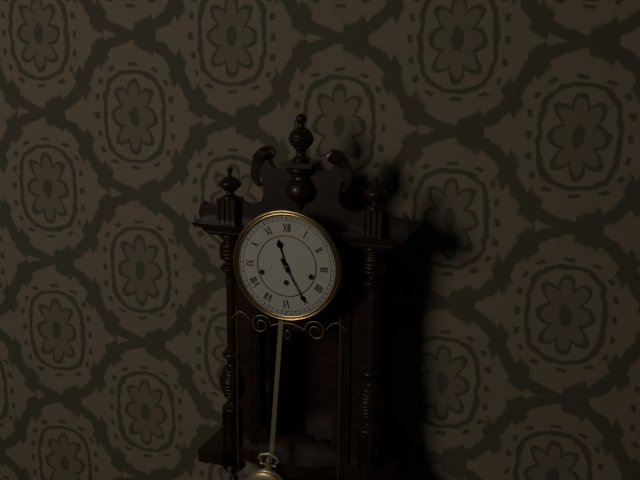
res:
11.25
